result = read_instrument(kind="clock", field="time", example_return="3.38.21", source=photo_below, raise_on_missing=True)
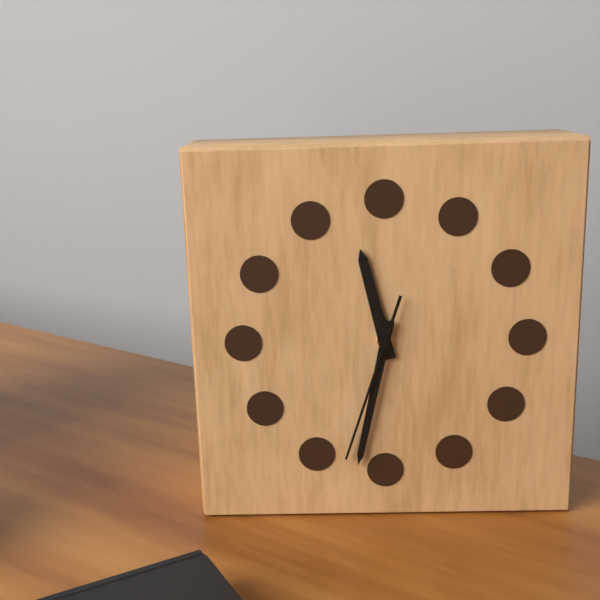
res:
11.32.33
